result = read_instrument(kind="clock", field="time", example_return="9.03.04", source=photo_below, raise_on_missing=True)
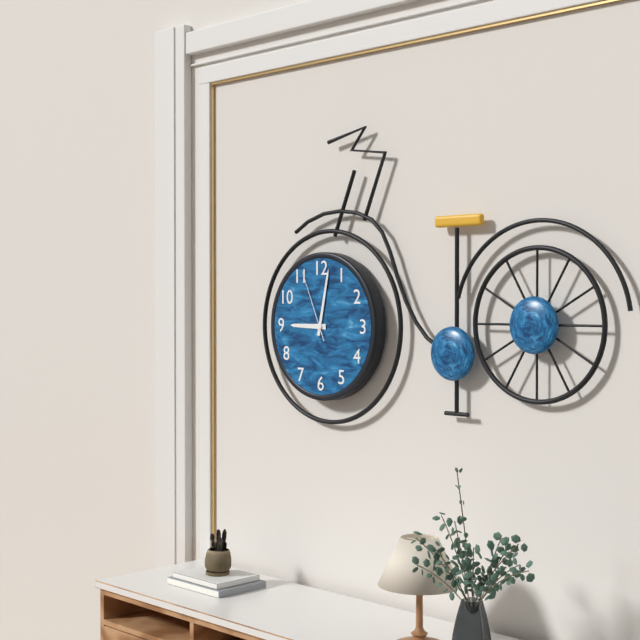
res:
9.02.56
